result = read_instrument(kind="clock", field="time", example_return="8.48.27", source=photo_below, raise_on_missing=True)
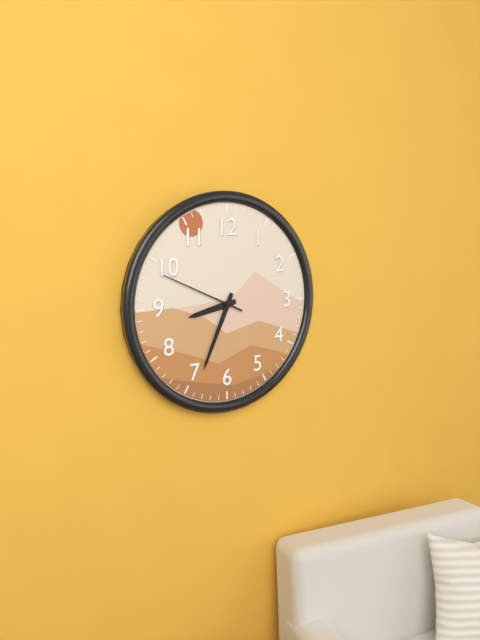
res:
8.34.49
